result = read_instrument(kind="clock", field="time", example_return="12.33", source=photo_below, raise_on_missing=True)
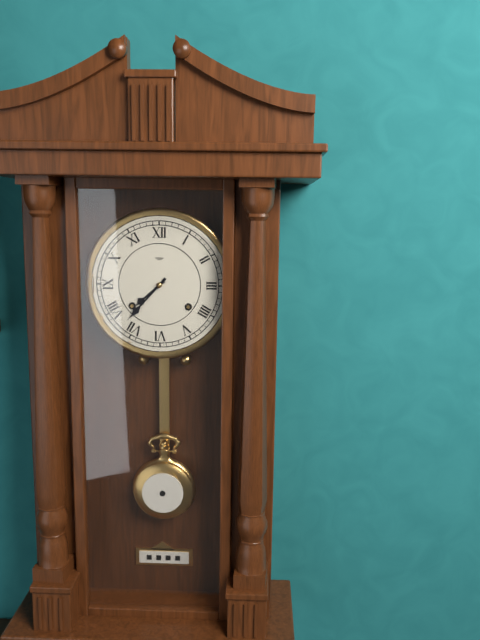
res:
7.37
